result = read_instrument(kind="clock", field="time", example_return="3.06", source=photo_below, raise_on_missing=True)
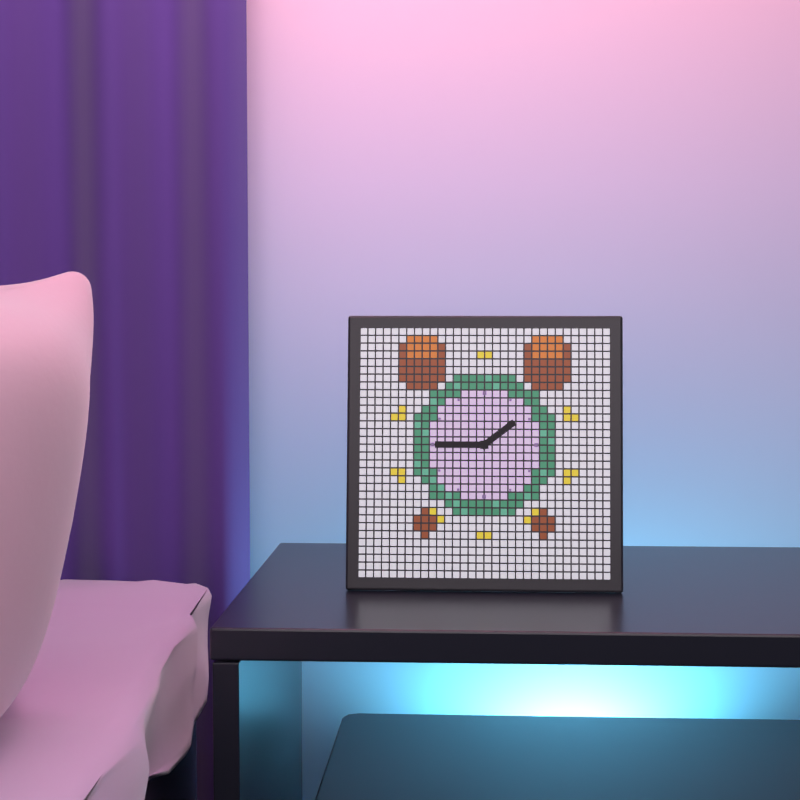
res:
1.45
